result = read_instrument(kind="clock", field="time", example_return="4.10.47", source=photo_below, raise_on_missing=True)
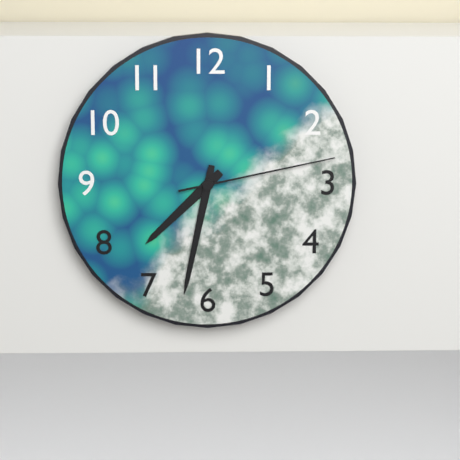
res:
7.32.13
